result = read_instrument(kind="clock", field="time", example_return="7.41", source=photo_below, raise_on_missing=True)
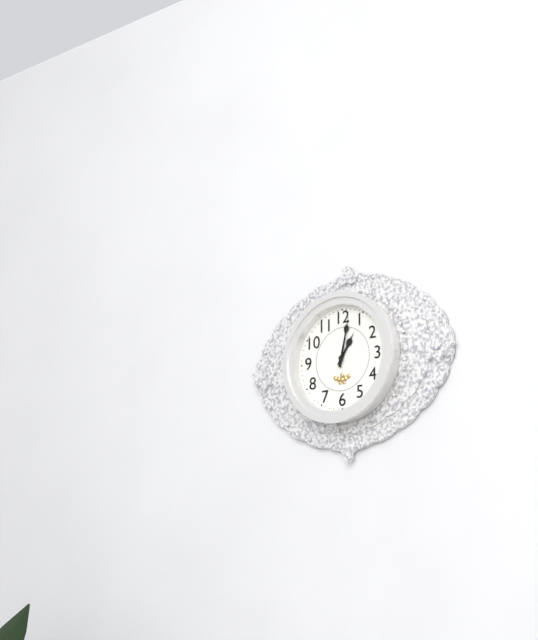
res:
1.02
